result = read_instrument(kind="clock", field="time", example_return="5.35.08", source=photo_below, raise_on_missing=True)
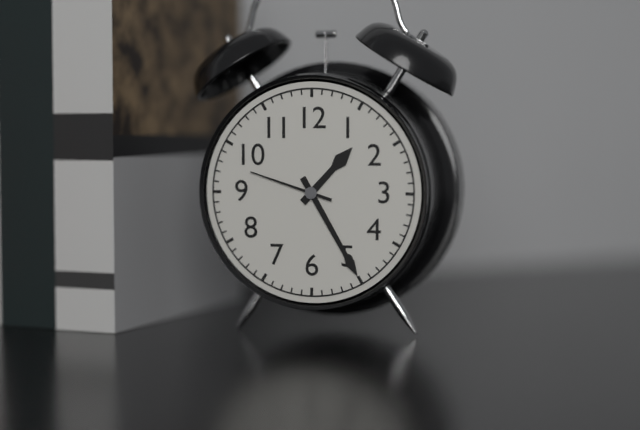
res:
1.25.48
